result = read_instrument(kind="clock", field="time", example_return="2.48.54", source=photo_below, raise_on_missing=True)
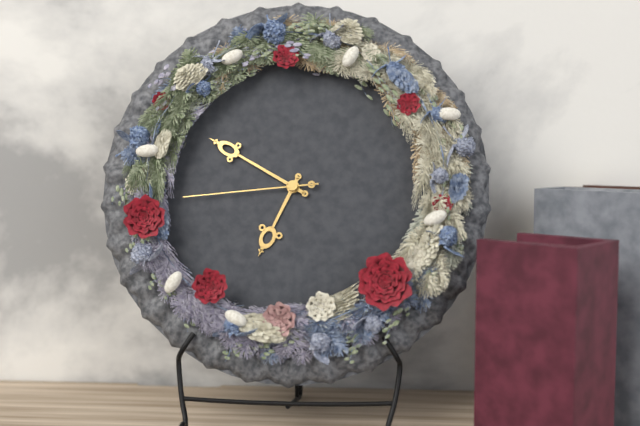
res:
6.50.44
